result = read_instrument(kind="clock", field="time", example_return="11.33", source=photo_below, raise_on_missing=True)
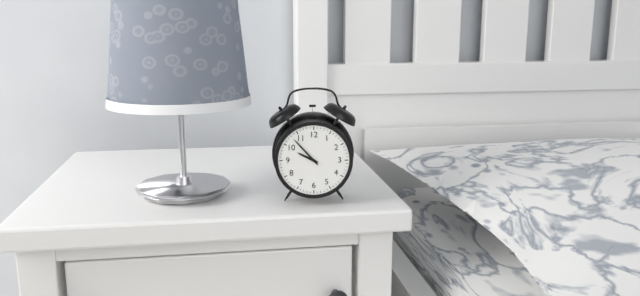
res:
9.53
